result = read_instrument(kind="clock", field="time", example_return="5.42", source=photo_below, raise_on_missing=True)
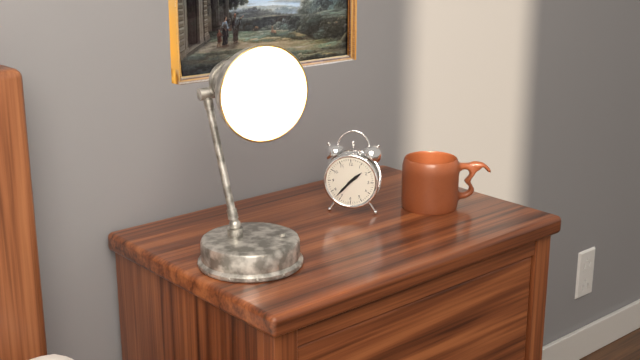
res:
1.37
